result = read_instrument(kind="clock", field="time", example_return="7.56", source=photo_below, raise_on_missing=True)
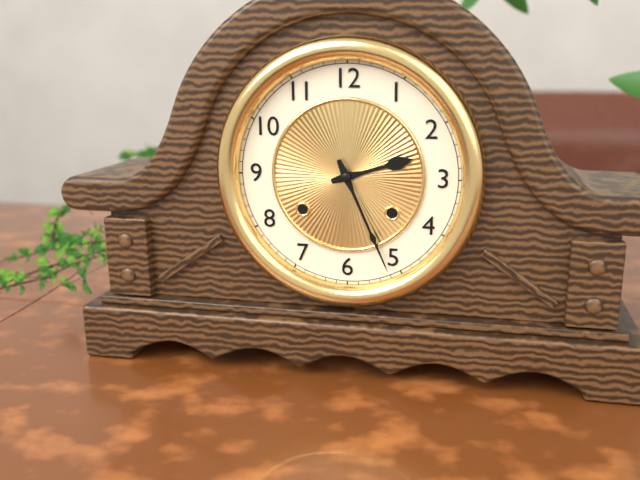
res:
2.26
